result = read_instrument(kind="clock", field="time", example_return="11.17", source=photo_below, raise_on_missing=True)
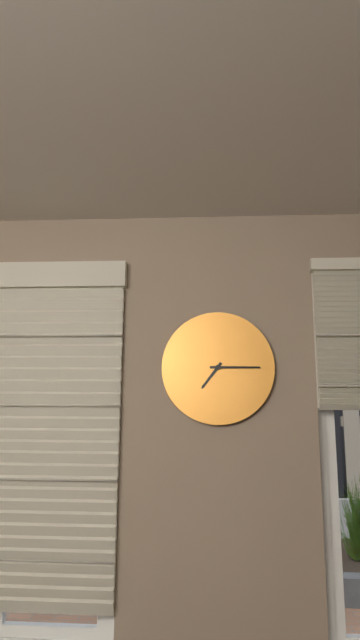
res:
7.15
